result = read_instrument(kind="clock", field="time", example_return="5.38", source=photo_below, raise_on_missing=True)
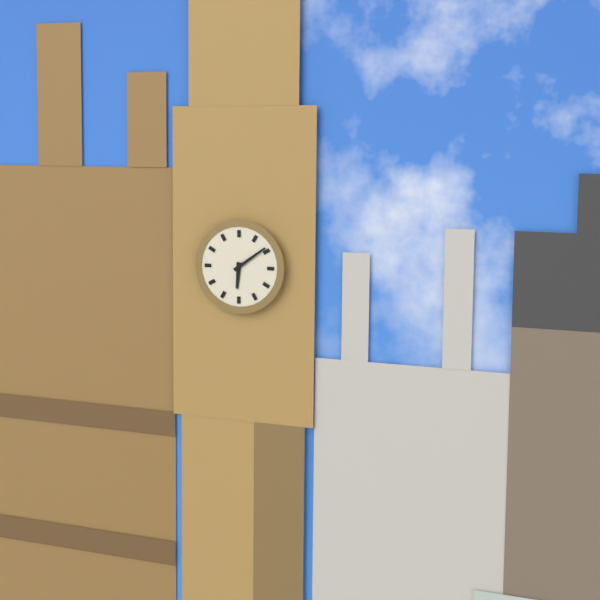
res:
6.09
